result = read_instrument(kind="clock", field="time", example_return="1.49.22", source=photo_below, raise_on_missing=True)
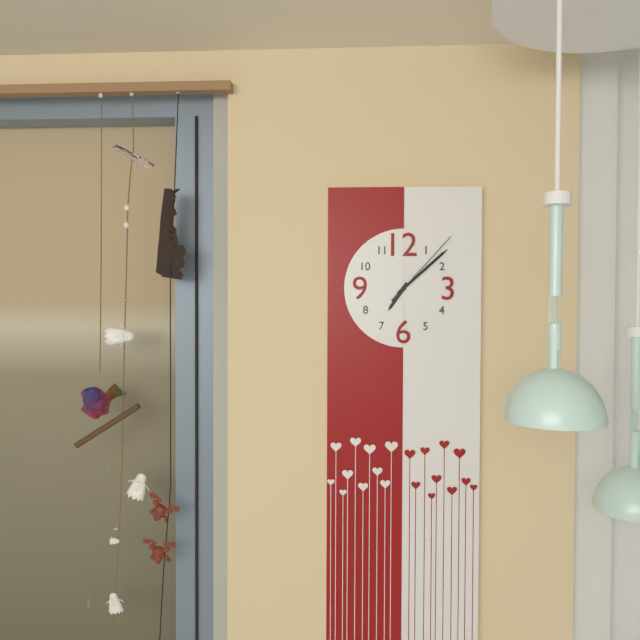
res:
7.08.07
